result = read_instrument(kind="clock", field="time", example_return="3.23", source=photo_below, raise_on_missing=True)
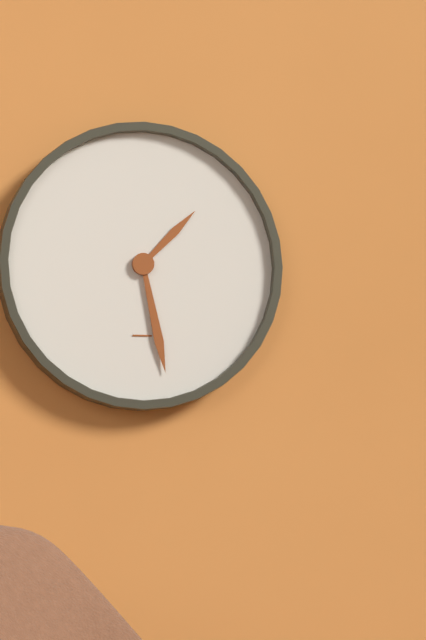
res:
1.28
